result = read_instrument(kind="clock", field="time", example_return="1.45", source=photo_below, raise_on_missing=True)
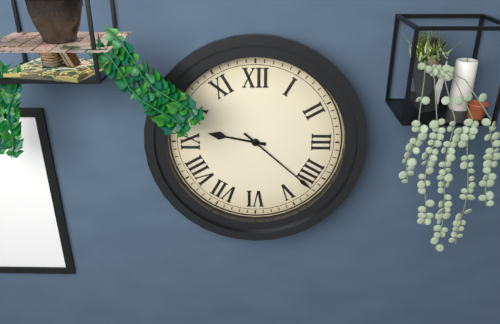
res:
9.22
